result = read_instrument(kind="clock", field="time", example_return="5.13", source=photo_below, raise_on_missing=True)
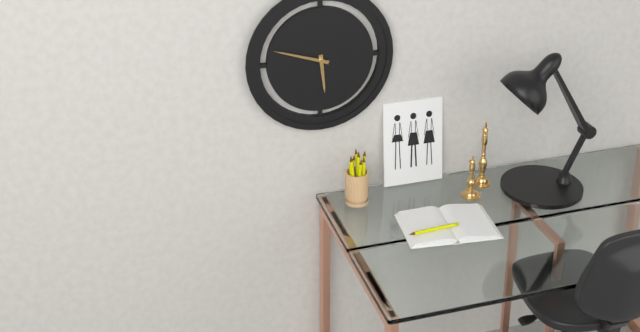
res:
5.48
